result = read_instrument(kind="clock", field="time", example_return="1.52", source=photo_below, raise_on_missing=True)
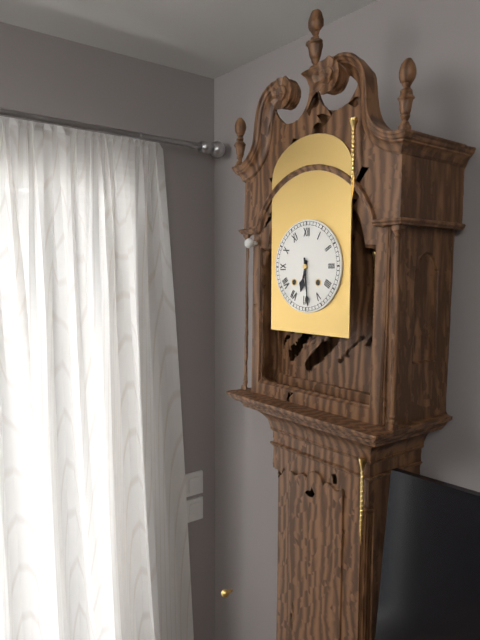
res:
6.29
